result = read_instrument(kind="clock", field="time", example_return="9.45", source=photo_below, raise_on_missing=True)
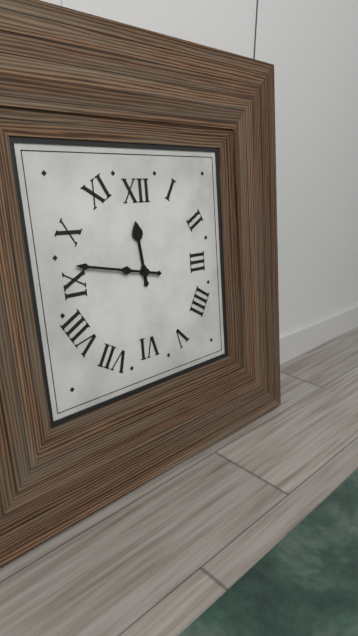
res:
11.47
